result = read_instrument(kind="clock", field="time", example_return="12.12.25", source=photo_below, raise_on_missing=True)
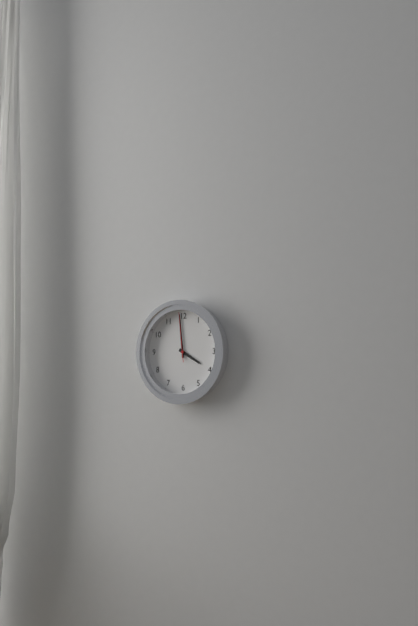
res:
3.59.59
